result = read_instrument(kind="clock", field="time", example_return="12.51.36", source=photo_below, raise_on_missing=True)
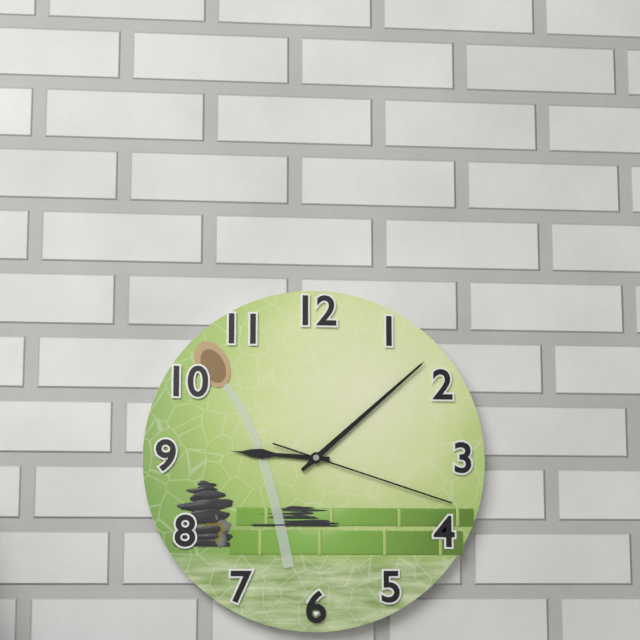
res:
9.08.18
